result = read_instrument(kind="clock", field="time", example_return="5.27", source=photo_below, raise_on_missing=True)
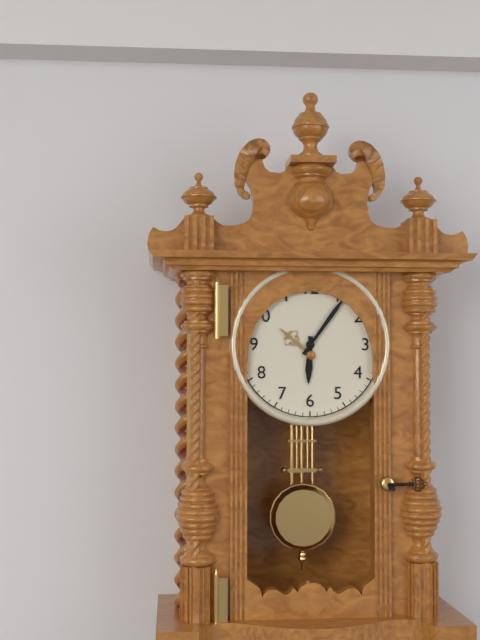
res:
6.06
